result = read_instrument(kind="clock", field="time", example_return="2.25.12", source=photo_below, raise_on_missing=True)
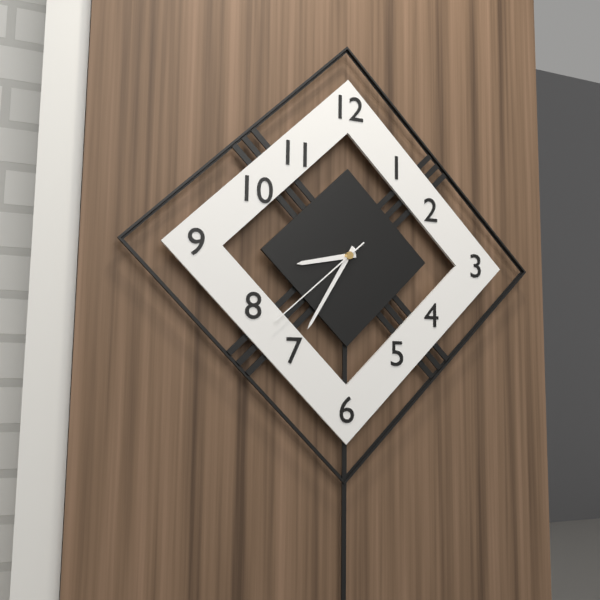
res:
8.35.38
